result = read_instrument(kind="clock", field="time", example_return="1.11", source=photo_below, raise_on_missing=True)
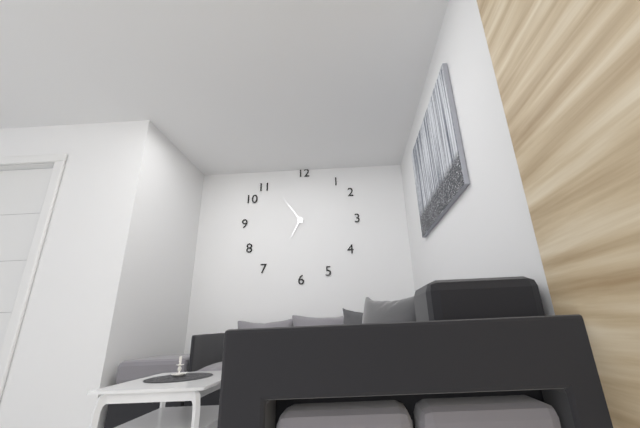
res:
6.54
